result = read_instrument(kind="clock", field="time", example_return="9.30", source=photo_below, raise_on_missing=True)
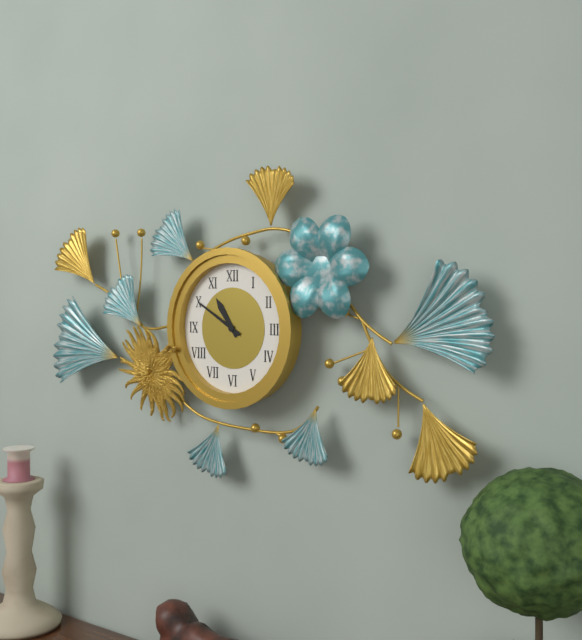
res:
10.50
